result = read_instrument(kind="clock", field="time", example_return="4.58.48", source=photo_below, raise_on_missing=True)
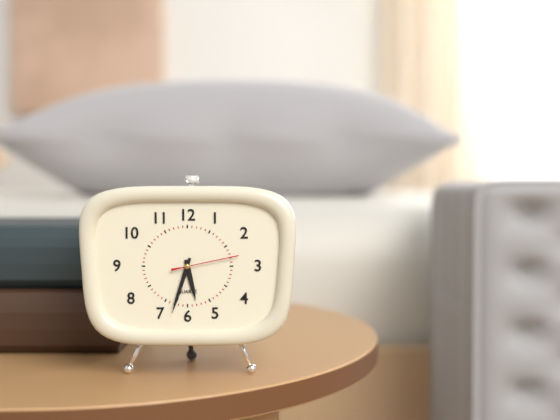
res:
5.33.13
